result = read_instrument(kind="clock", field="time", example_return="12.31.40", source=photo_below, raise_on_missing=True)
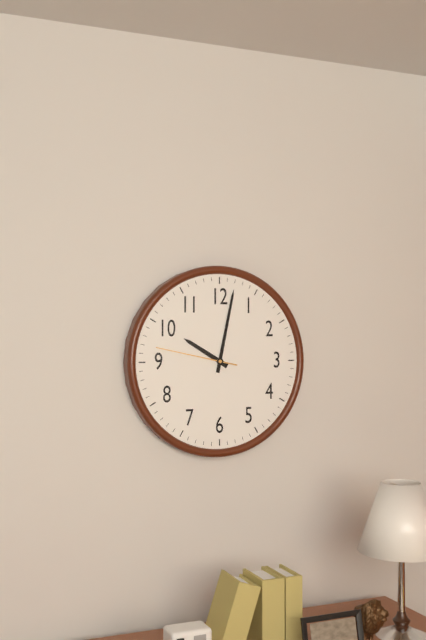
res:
10.02.47
